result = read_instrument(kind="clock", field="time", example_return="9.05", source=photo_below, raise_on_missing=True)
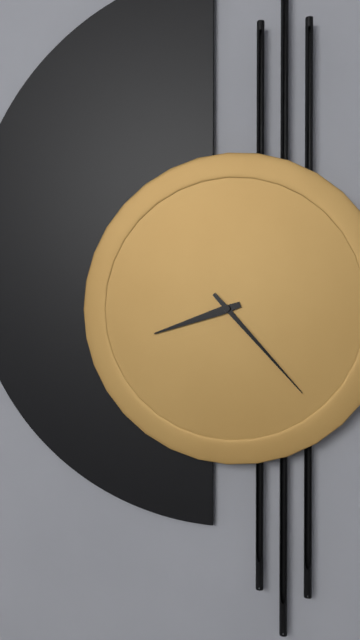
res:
8.23
